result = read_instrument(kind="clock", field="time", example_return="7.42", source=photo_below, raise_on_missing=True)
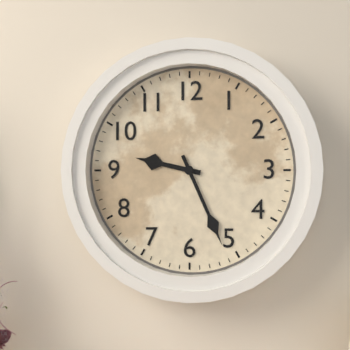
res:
9.26
